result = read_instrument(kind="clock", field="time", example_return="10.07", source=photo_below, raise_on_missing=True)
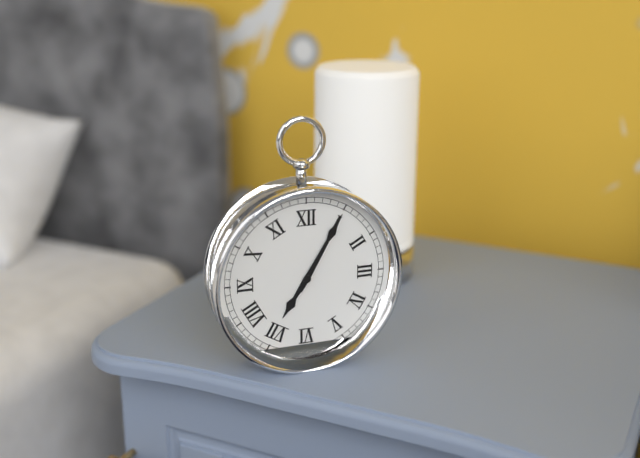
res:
7.05
